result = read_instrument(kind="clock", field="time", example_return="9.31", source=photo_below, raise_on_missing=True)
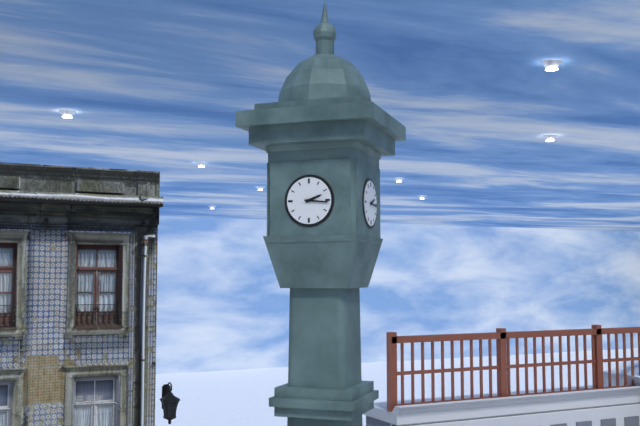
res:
2.16
